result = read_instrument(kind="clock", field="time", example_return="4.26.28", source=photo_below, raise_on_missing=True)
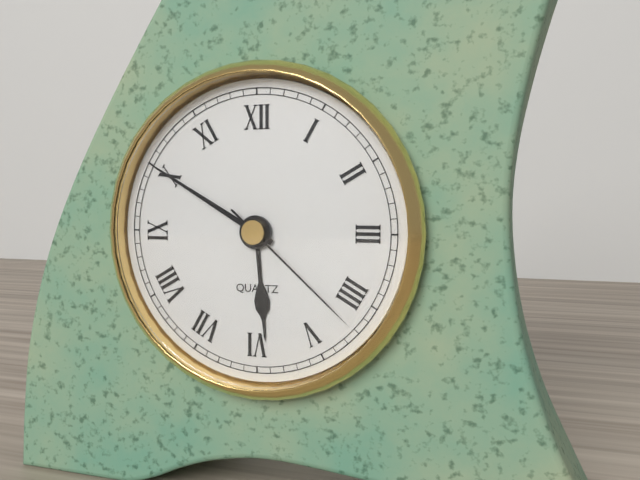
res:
5.50.22
